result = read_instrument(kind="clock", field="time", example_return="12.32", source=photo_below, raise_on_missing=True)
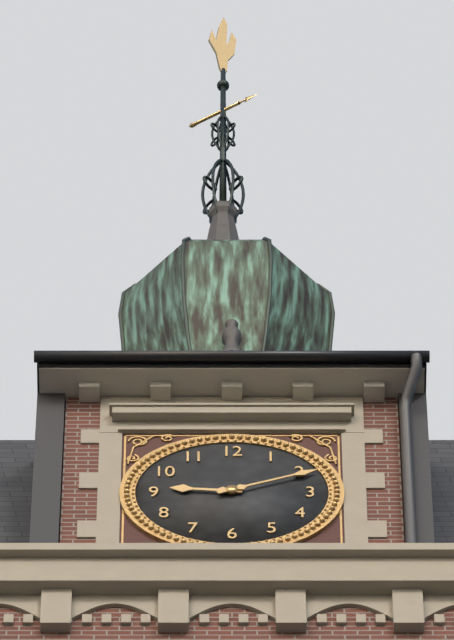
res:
9.11
